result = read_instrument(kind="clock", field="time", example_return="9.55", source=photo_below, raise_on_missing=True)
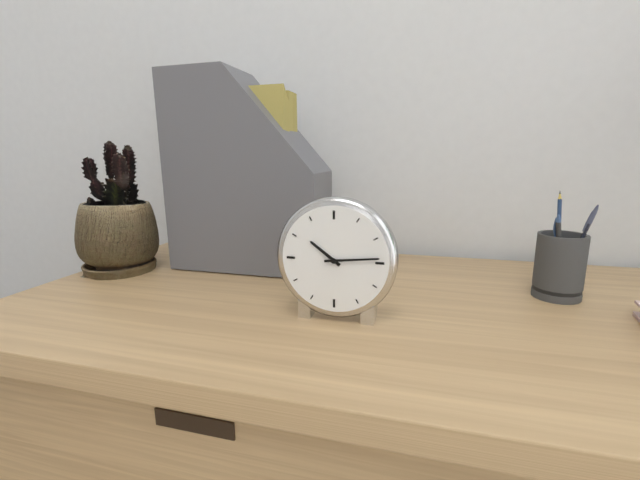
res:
10.14
